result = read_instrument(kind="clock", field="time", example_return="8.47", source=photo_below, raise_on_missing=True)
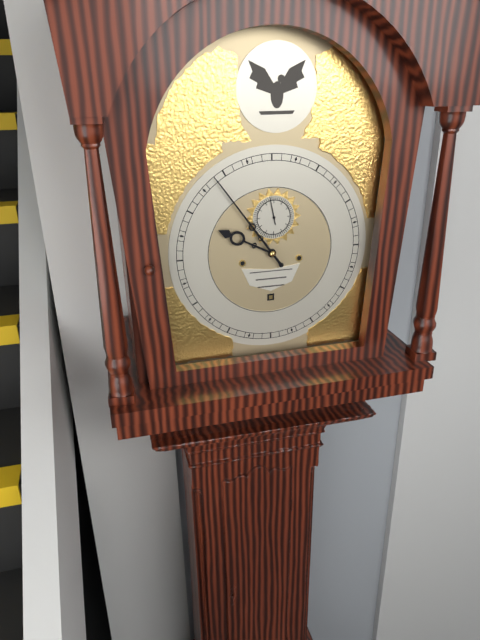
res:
9.54
